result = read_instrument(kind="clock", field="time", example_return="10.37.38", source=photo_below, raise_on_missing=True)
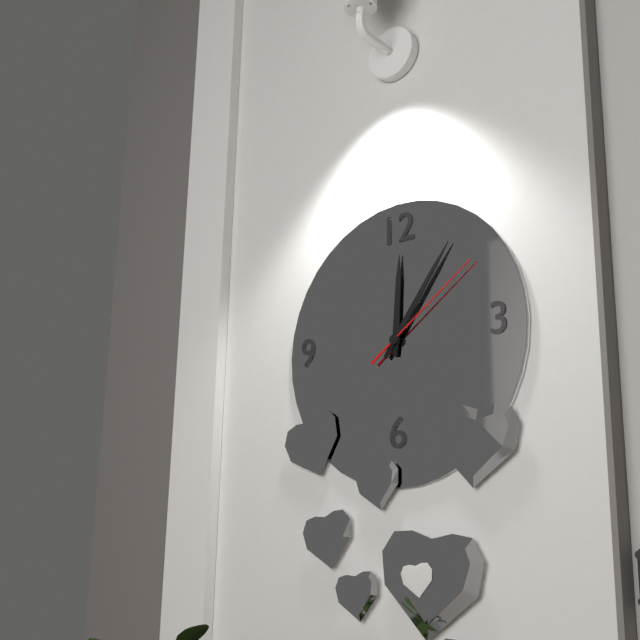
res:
12.06.09
